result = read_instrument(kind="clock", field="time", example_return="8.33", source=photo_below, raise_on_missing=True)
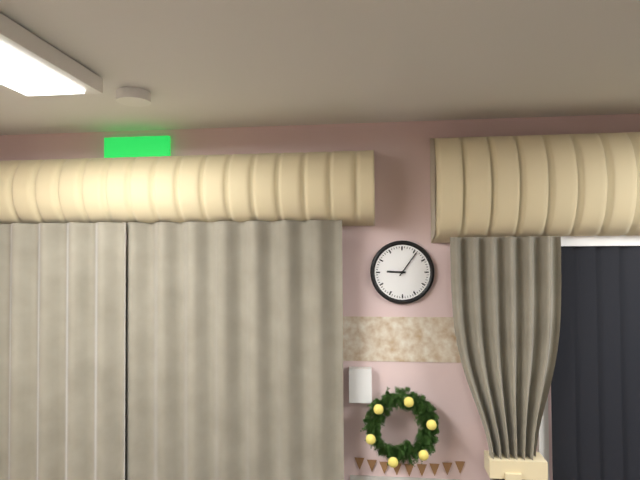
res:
9.06
